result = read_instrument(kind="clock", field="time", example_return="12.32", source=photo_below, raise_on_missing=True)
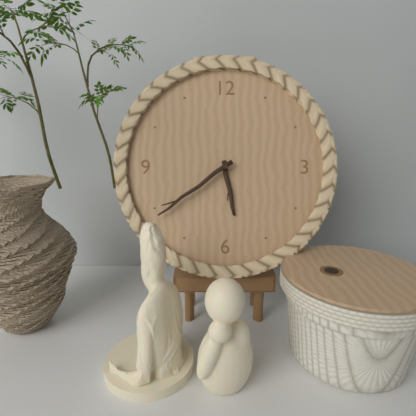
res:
5.39
